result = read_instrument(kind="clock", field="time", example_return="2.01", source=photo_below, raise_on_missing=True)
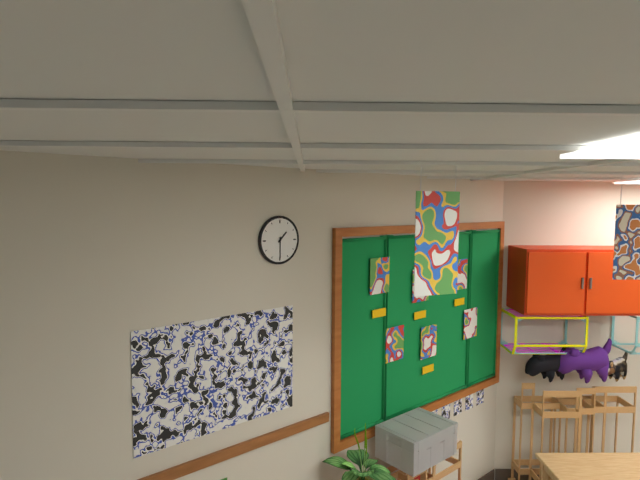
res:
1.30
